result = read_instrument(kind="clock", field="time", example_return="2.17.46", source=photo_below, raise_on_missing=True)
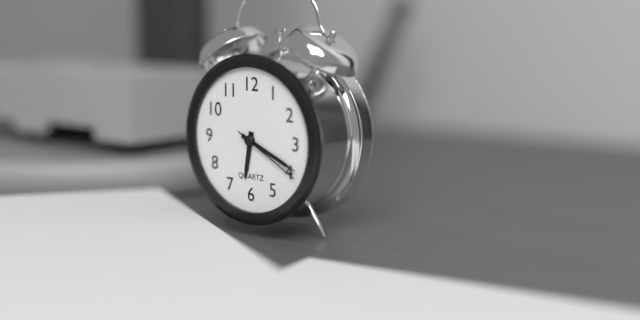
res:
6.19.20
